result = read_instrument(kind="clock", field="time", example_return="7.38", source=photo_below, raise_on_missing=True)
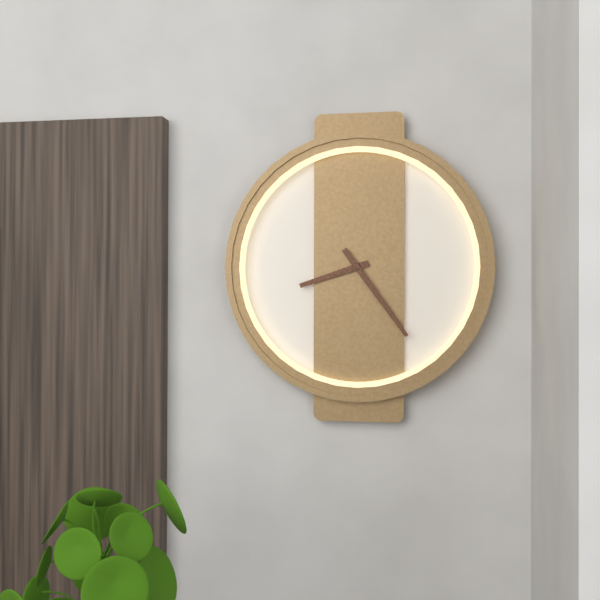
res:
8.24
